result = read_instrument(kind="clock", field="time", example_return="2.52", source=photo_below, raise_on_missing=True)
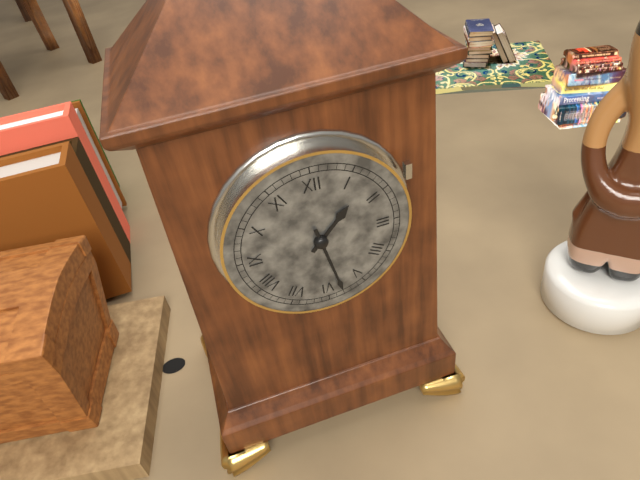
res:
1.28
